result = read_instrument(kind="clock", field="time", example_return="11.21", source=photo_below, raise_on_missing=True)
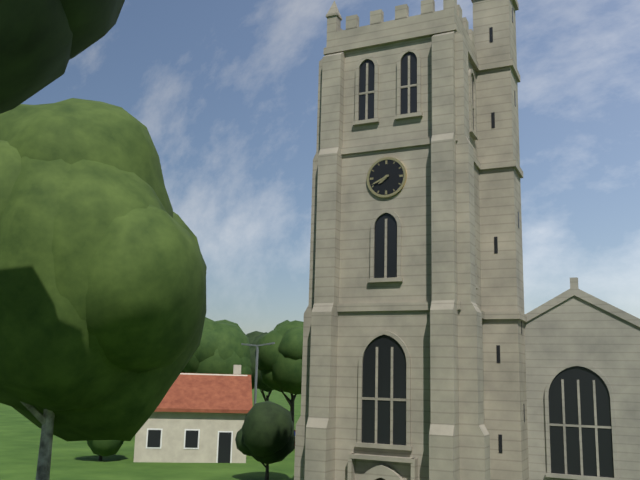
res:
7.41
